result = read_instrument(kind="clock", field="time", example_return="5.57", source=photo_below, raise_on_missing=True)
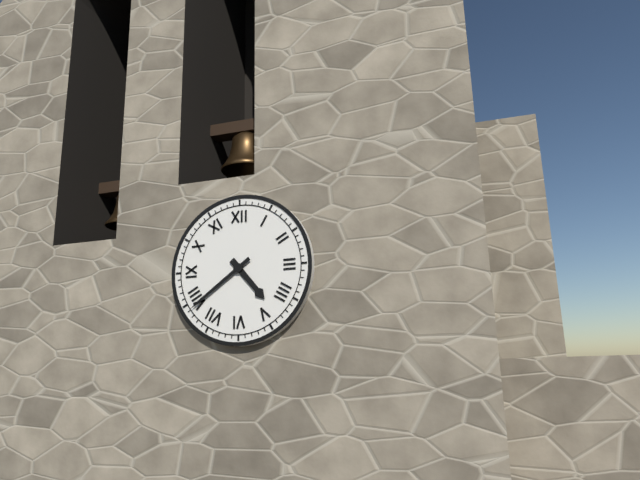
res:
4.39
